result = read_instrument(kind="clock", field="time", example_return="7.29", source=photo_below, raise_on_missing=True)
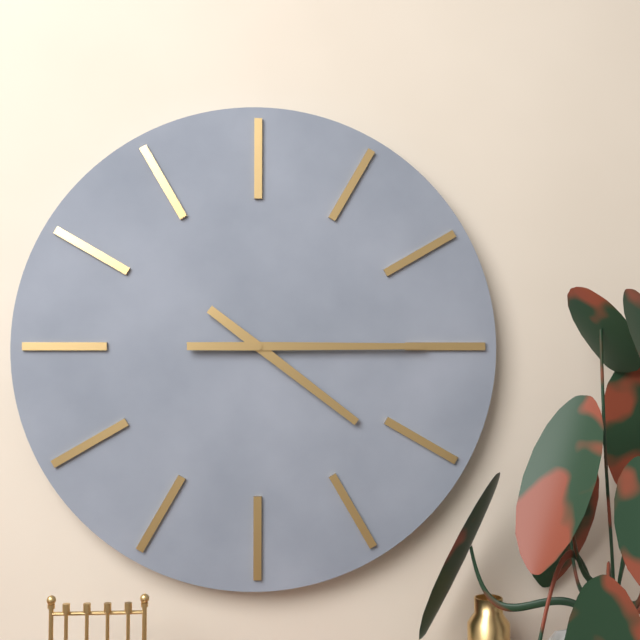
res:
4.15
